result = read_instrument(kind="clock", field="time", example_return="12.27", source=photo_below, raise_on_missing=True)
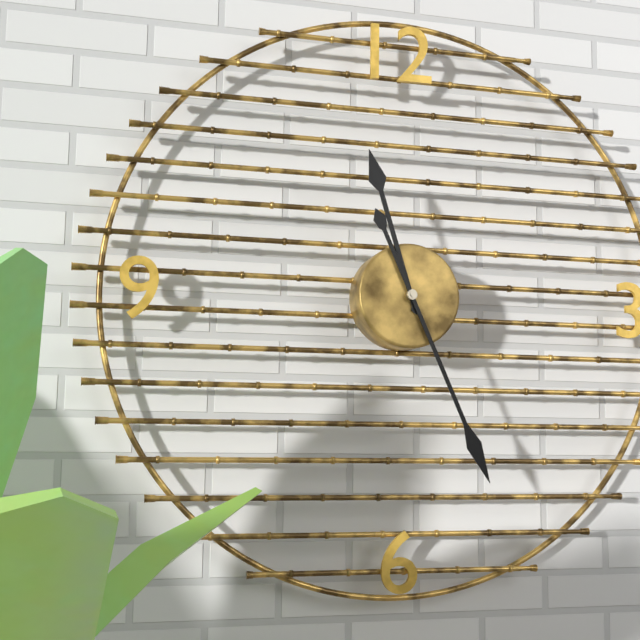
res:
11.26
